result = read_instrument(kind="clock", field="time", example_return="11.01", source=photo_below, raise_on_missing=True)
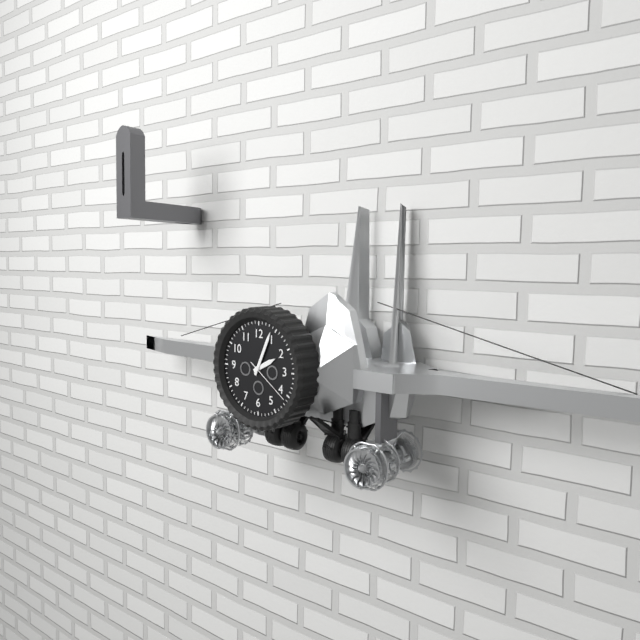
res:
2.04
